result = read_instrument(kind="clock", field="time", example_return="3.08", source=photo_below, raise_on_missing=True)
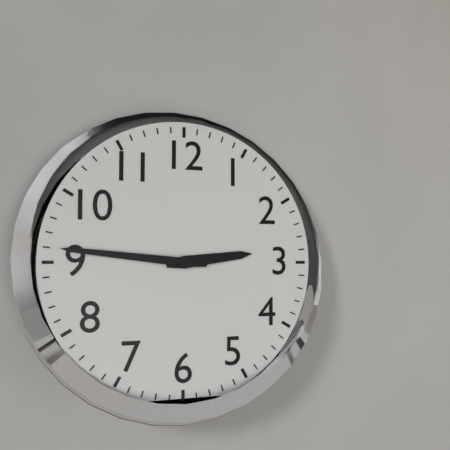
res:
2.46
